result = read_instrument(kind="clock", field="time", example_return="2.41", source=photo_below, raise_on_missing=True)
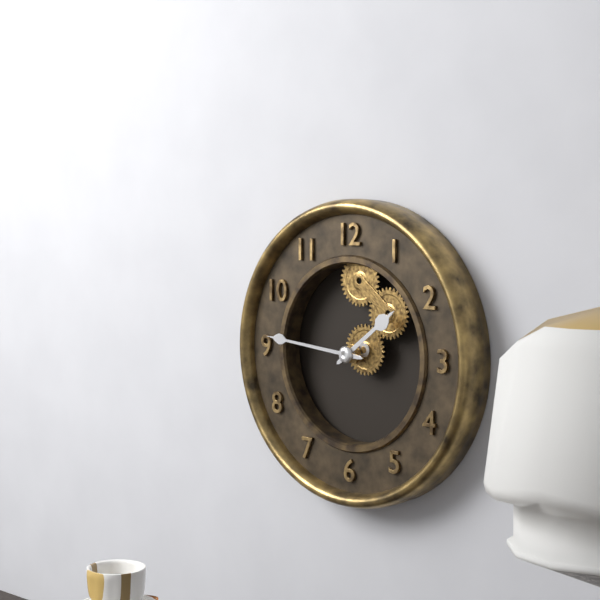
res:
1.46
